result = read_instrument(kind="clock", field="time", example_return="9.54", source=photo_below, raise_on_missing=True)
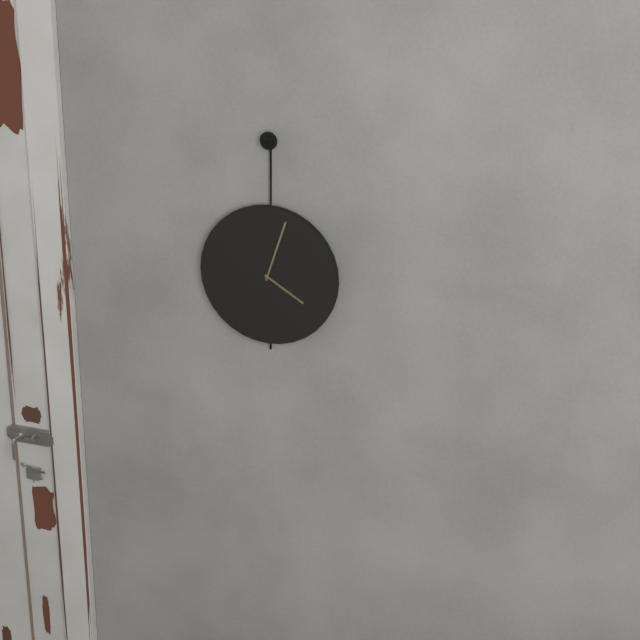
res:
4.03
